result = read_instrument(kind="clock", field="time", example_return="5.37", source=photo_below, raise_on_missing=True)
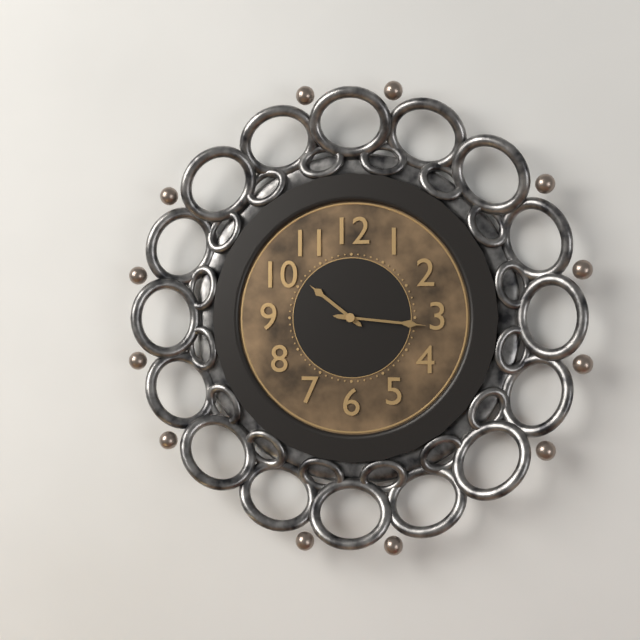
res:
10.16
